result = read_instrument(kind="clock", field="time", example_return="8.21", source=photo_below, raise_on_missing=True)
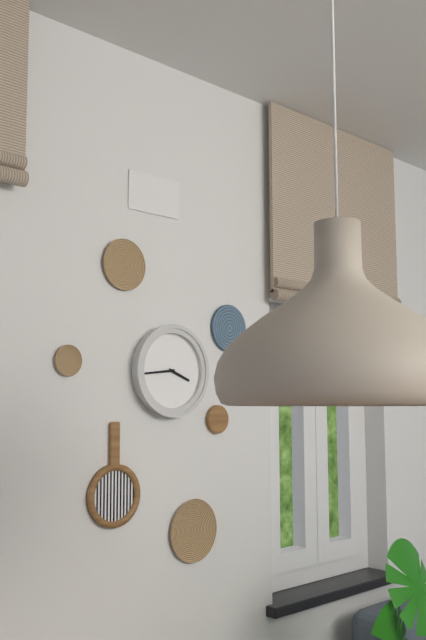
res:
3.44
